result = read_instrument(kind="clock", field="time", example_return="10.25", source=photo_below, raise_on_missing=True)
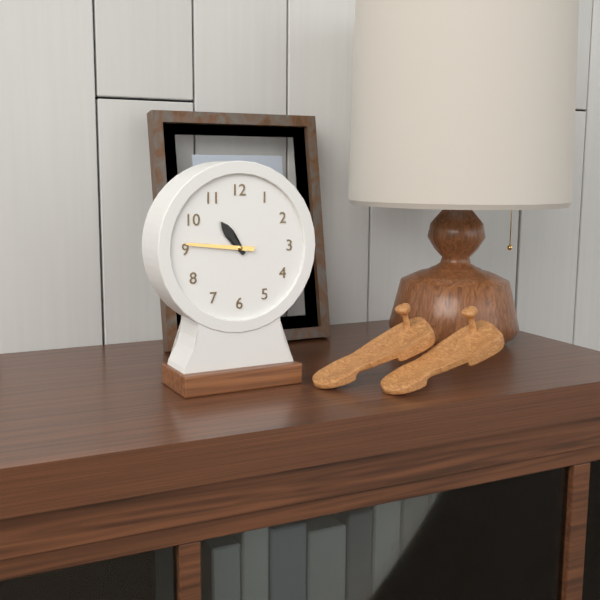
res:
10.46
